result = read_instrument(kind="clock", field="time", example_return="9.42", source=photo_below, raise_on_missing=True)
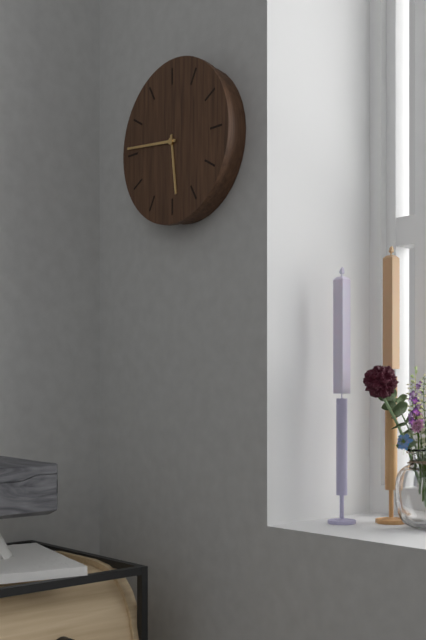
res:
5.46
